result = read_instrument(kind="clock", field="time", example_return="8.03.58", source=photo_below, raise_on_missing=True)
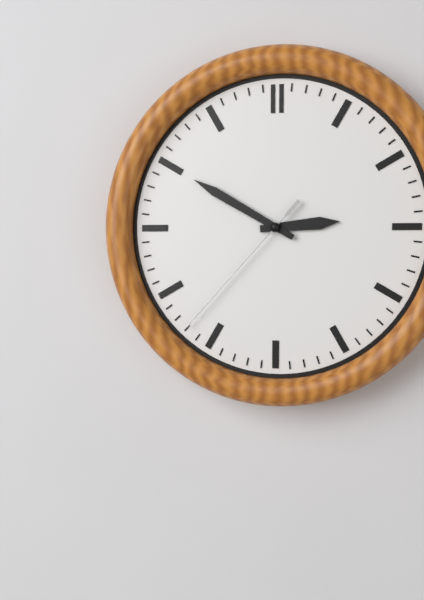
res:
2.50.37
